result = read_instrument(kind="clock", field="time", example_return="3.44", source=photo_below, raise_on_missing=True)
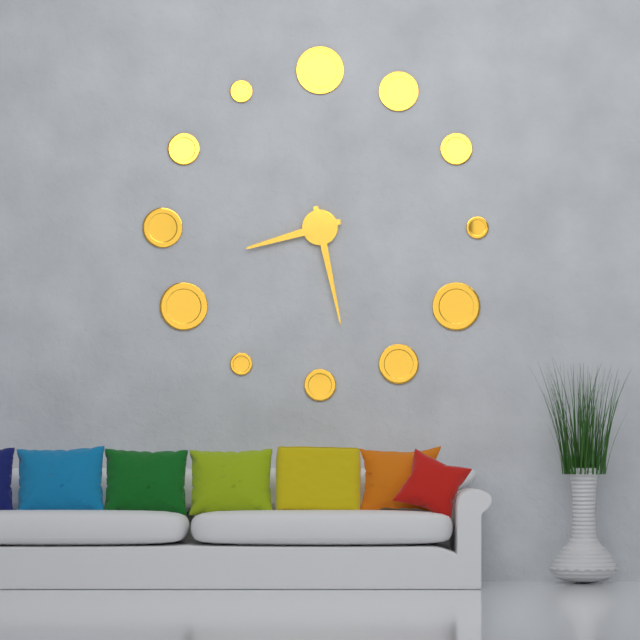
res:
8.28
